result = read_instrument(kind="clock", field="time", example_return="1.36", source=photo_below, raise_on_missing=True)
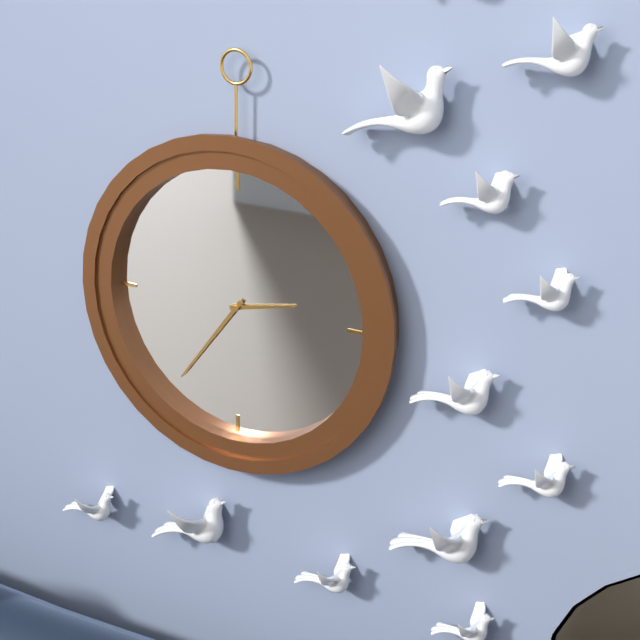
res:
2.36
